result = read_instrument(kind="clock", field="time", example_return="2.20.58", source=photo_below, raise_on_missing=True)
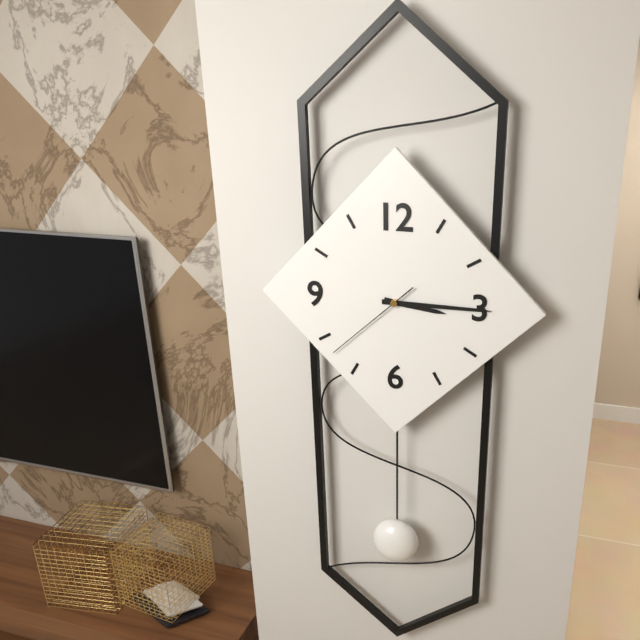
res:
3.15.38
